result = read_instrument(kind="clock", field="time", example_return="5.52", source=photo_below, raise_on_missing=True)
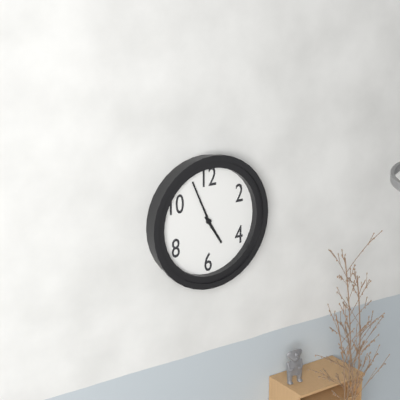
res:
4.56
